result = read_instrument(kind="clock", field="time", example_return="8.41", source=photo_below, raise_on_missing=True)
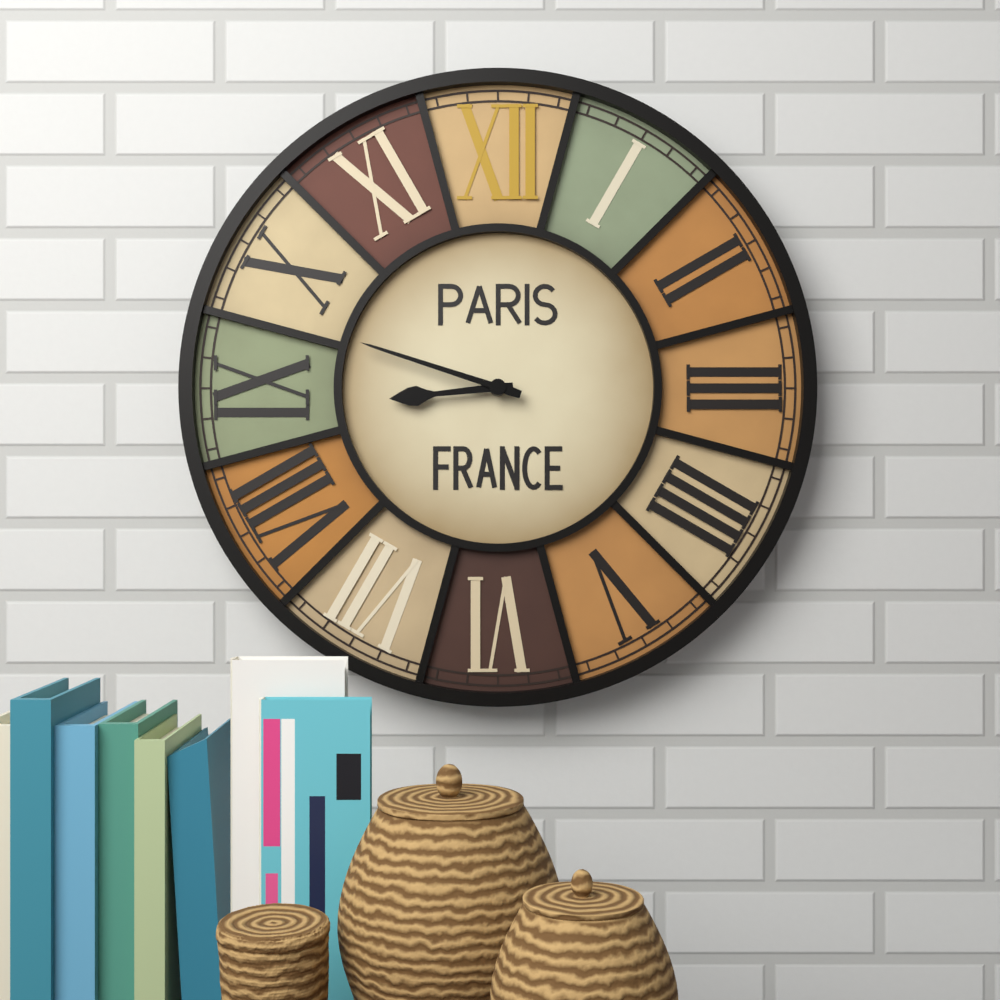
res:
8.48
